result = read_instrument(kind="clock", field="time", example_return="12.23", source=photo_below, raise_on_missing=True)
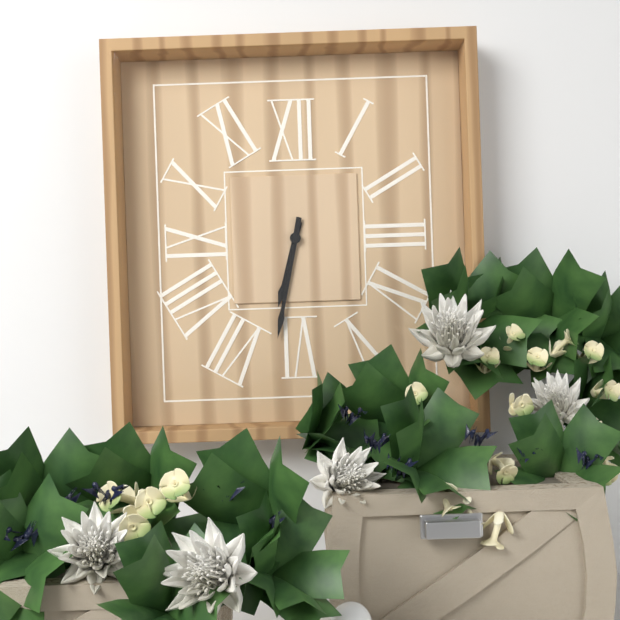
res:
6.32
